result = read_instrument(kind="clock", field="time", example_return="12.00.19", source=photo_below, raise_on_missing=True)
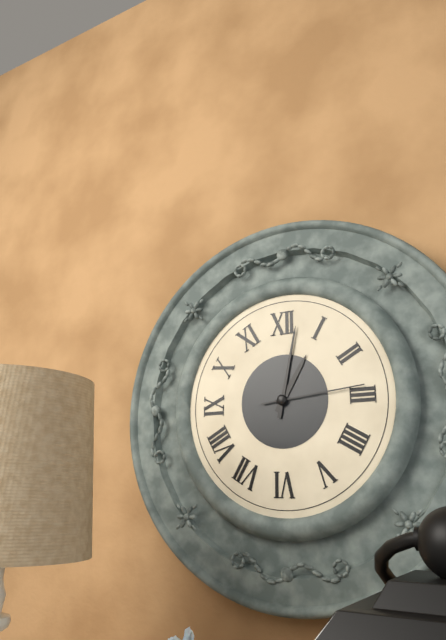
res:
1.02.14
